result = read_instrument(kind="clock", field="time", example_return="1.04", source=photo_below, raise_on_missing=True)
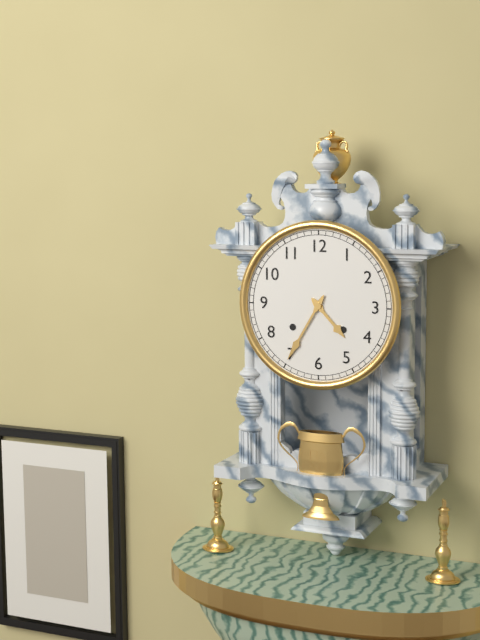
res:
4.35
